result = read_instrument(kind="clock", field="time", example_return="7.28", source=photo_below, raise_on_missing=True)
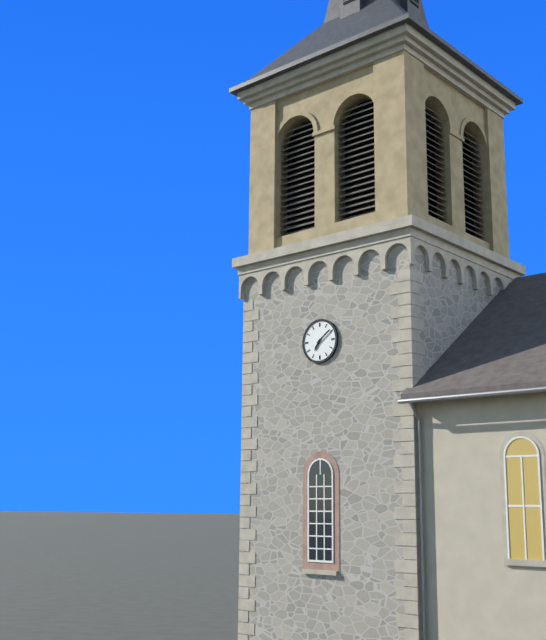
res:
7.09
